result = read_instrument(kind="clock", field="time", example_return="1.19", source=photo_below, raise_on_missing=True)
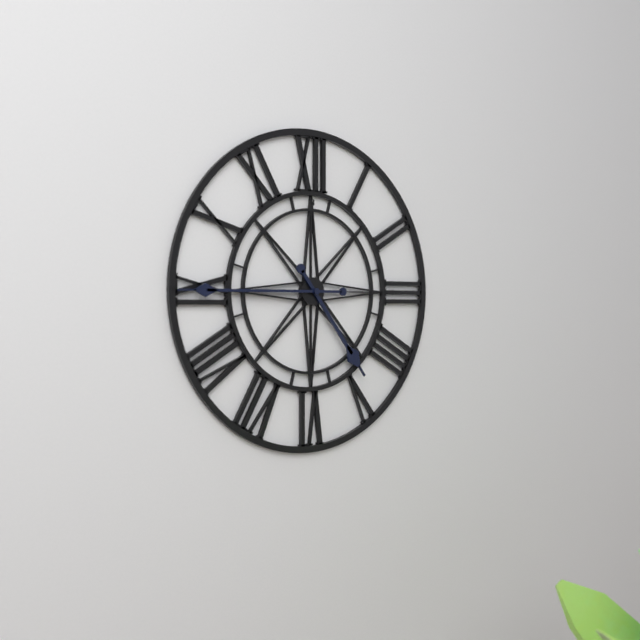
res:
4.45
